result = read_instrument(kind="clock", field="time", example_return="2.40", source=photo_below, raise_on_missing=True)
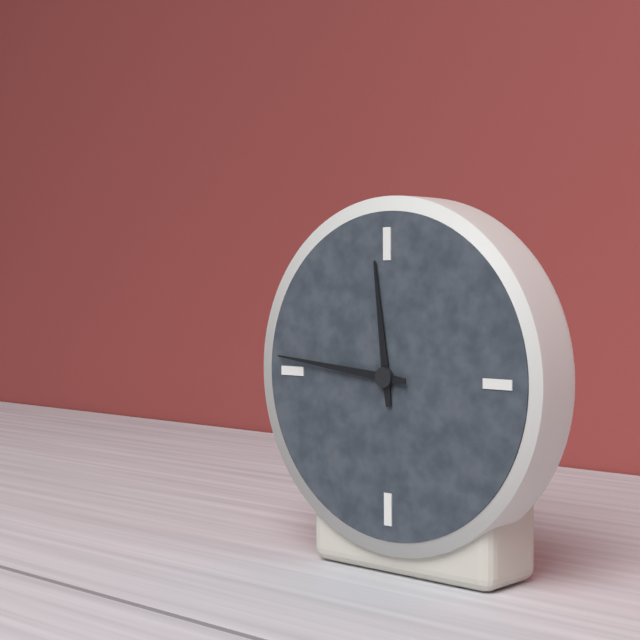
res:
11.46
